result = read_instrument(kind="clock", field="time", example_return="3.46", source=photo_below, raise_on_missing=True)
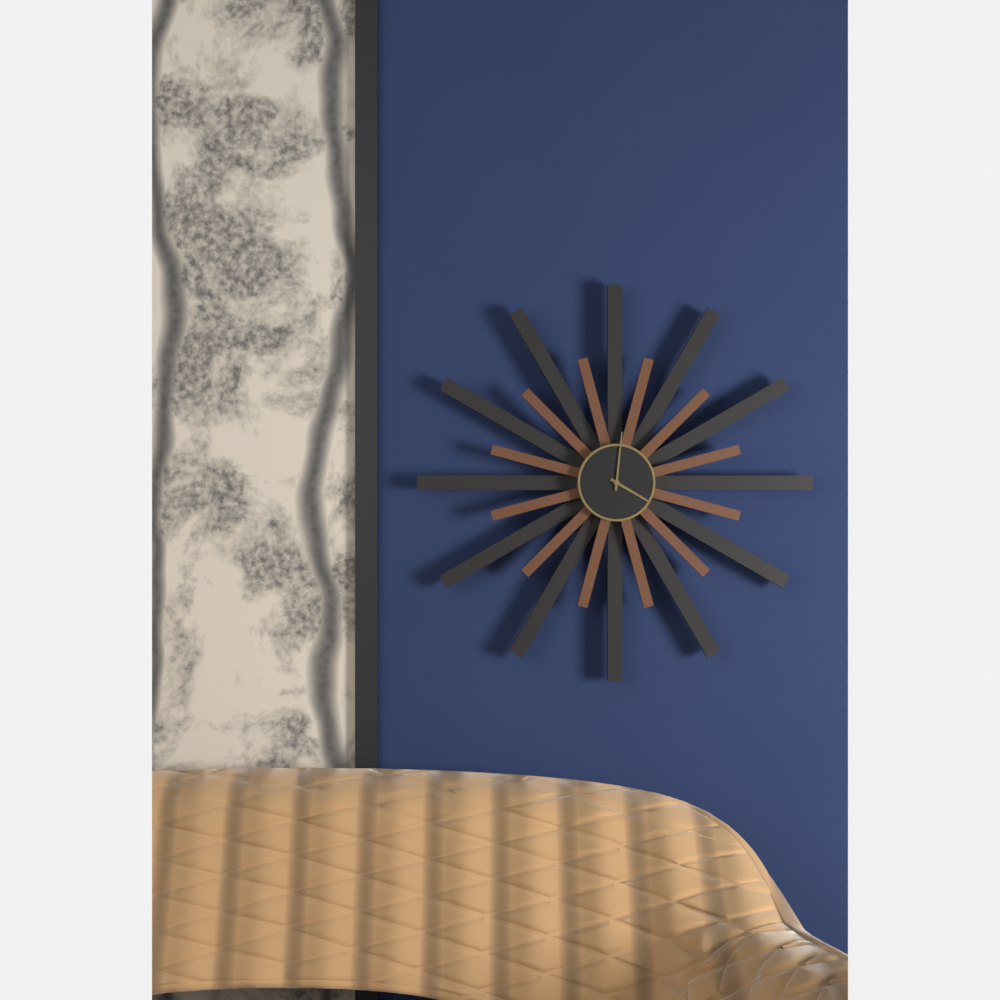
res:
4.01
